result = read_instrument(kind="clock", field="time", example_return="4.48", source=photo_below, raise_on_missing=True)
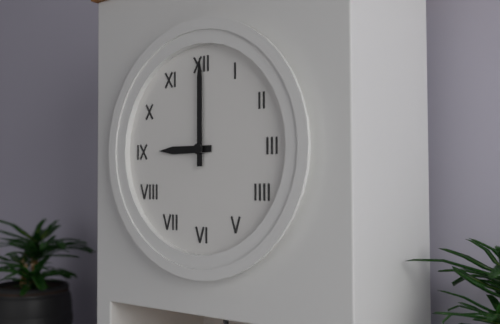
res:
9.00
